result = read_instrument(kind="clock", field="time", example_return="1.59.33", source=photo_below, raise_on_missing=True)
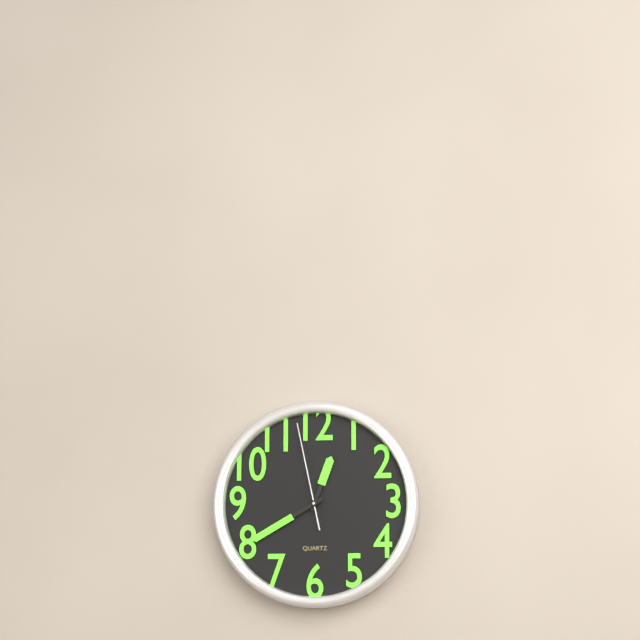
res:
12.40.58
